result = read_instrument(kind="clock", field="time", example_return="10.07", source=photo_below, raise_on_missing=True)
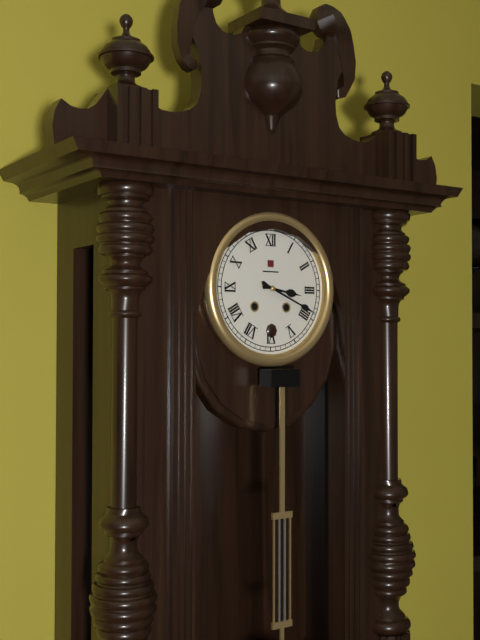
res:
3.19
